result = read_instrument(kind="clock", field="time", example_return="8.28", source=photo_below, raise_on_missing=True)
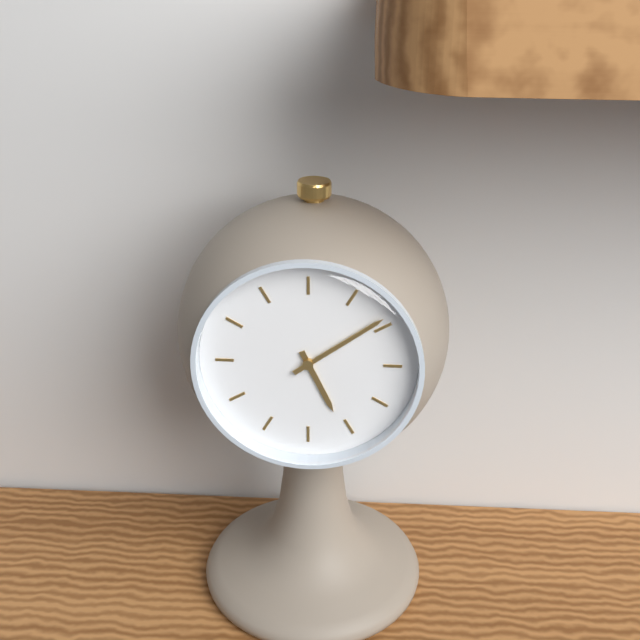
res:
5.09
